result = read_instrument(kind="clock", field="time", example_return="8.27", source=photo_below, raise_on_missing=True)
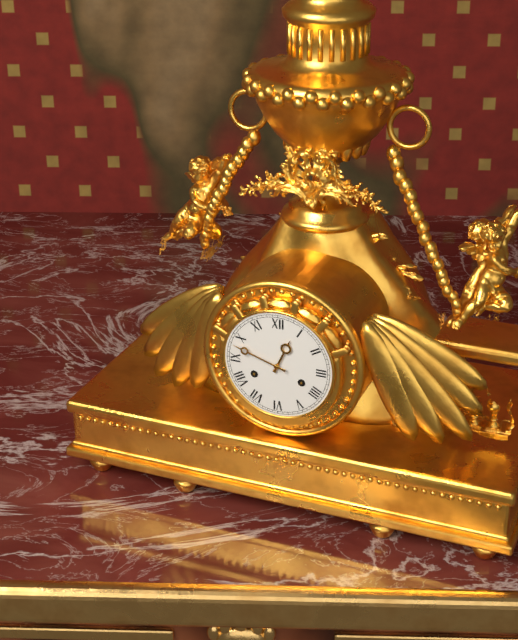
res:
12.48
